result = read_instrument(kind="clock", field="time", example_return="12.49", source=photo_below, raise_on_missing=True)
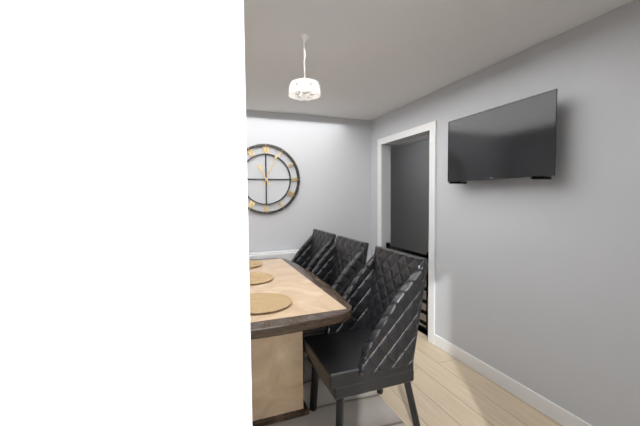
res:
11.04
